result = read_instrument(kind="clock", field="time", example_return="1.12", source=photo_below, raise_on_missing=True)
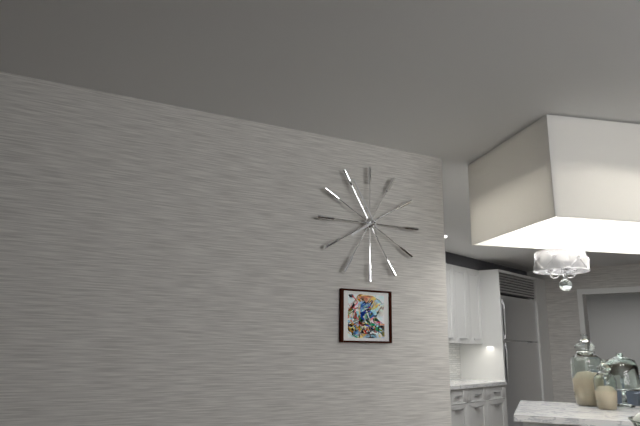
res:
7.55
